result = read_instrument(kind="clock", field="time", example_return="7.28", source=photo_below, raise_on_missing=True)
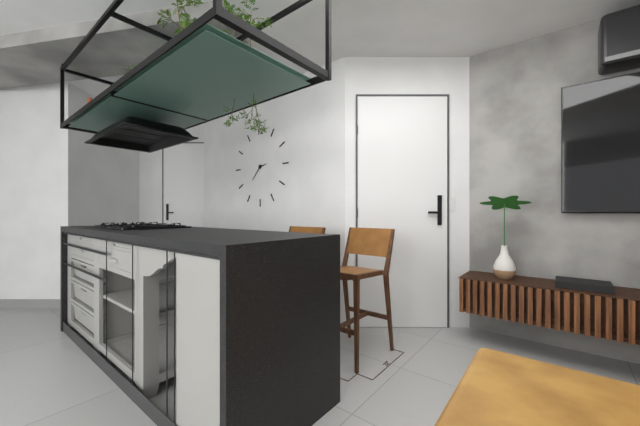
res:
2.37
